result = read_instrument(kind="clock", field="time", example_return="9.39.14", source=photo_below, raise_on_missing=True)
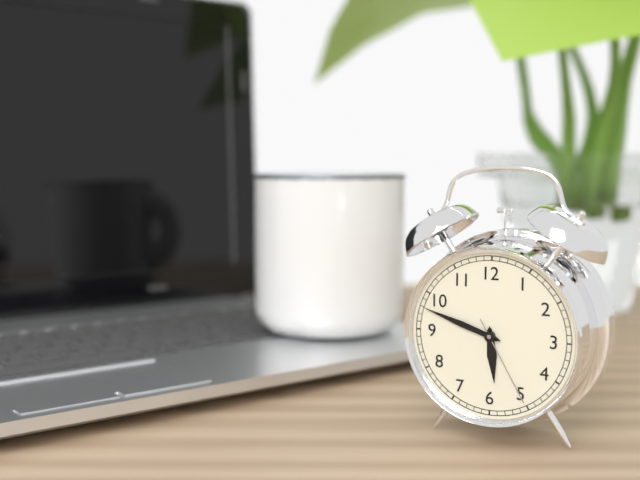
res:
5.48.25
